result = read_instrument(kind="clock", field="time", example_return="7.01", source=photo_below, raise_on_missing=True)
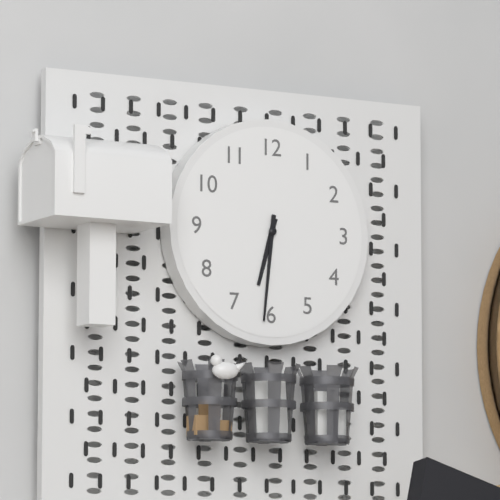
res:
6.31
